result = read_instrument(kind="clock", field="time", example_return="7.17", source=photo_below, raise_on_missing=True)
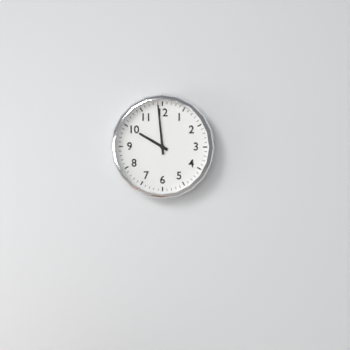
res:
9.59
